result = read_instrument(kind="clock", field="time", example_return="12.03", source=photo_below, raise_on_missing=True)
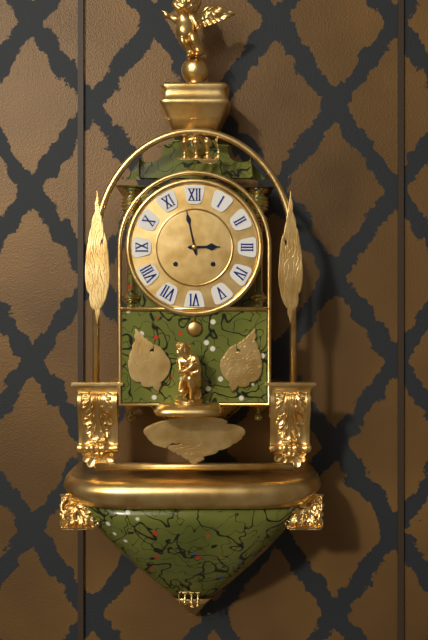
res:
2.58
